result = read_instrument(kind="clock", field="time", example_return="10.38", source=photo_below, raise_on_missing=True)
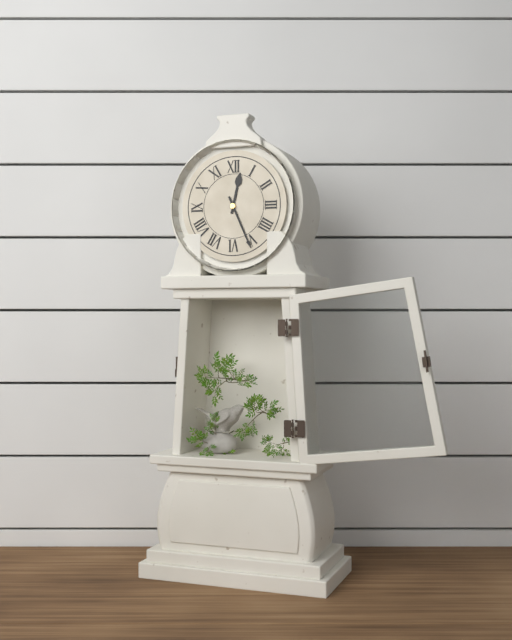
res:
12.26
